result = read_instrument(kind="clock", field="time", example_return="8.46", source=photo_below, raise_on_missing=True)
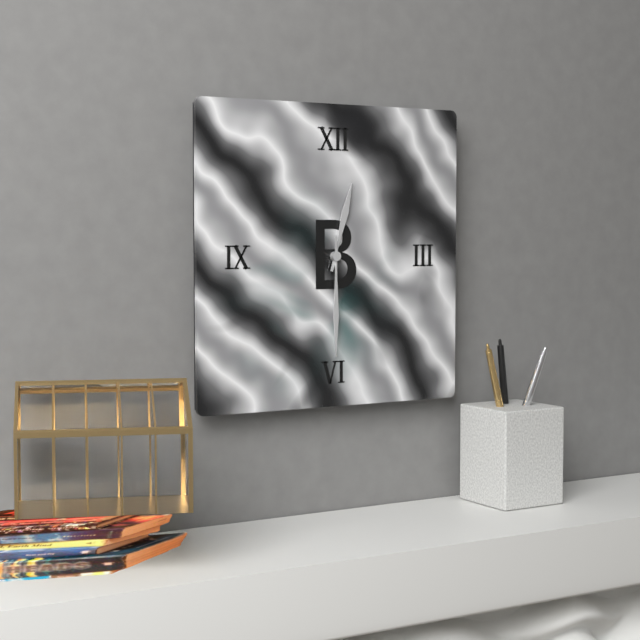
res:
12.30
